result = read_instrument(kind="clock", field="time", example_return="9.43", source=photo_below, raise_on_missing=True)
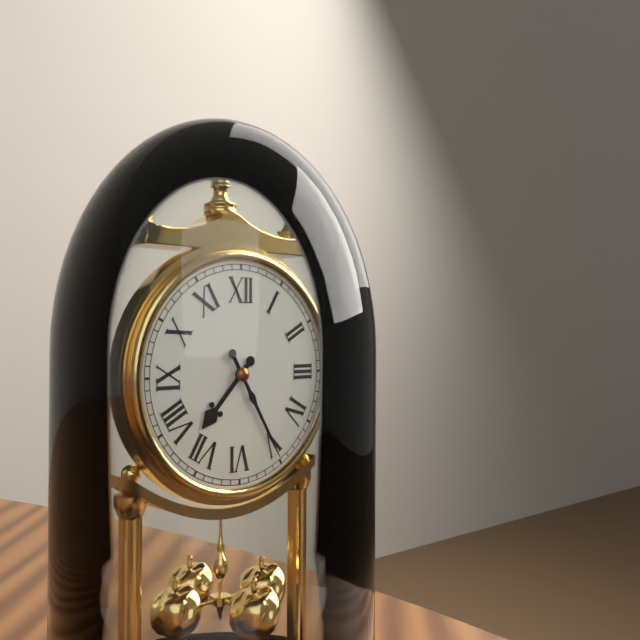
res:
7.25
